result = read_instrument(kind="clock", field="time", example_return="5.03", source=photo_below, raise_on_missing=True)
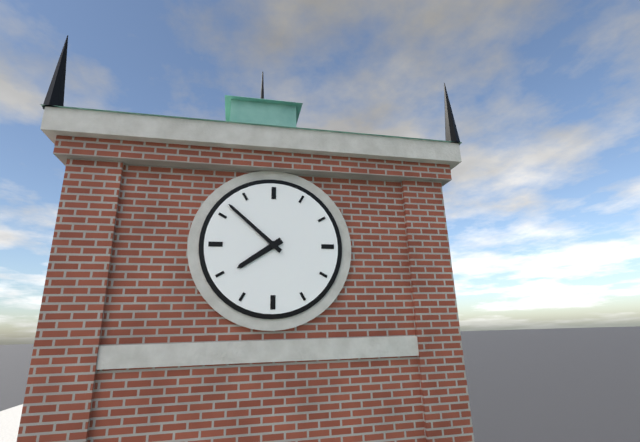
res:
7.52
